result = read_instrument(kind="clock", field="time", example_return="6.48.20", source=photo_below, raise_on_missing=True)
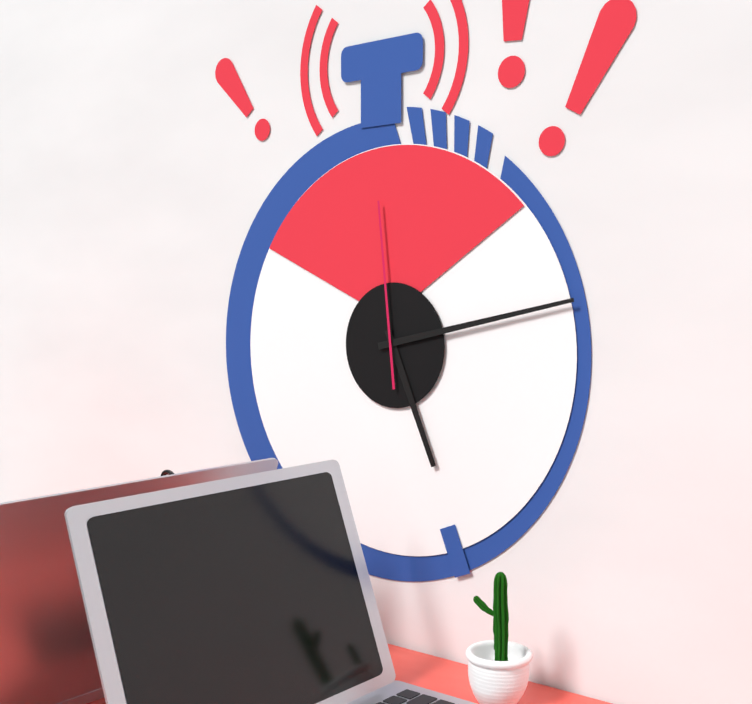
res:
5.13.59
